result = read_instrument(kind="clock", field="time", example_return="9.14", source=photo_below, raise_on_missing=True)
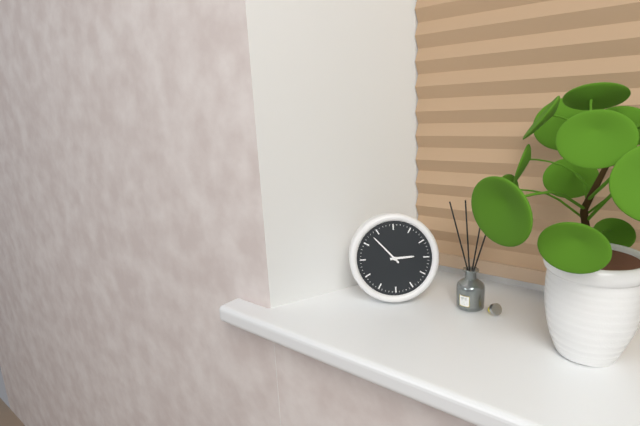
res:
2.53
